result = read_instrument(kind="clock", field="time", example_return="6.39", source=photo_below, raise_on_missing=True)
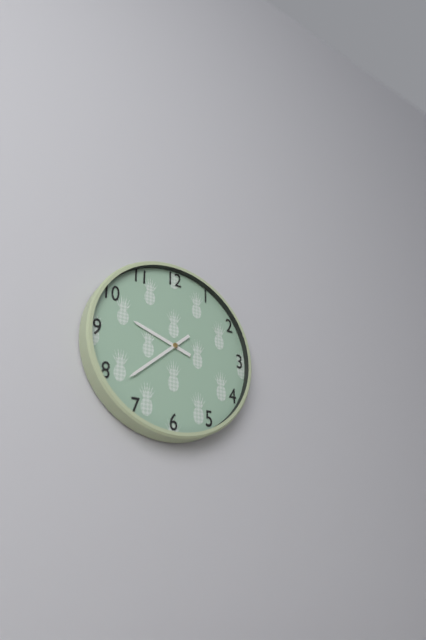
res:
9.38
